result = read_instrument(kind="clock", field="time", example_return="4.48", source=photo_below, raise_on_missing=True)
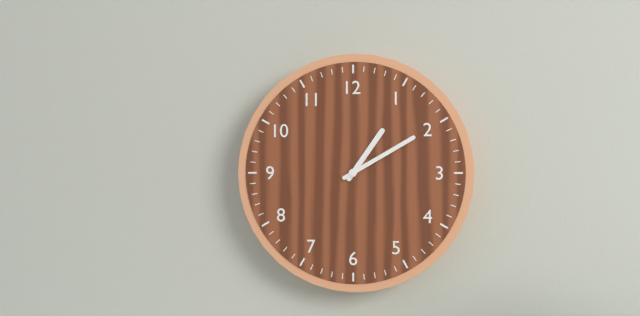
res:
1.10
